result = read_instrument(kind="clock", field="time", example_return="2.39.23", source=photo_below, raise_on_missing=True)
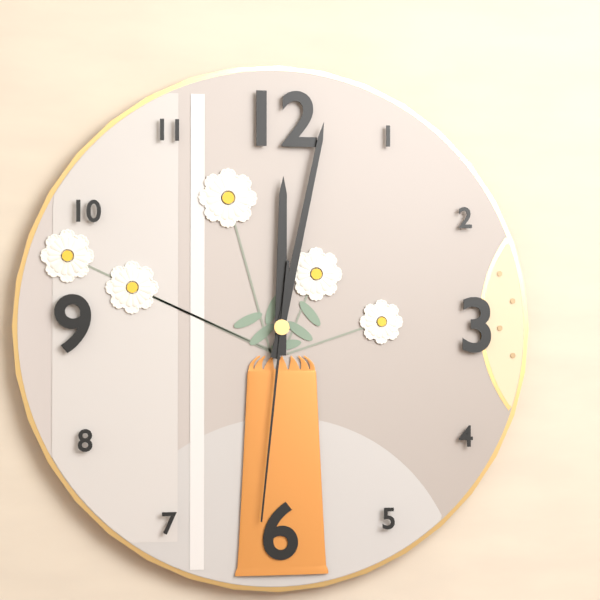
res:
12.02.31
